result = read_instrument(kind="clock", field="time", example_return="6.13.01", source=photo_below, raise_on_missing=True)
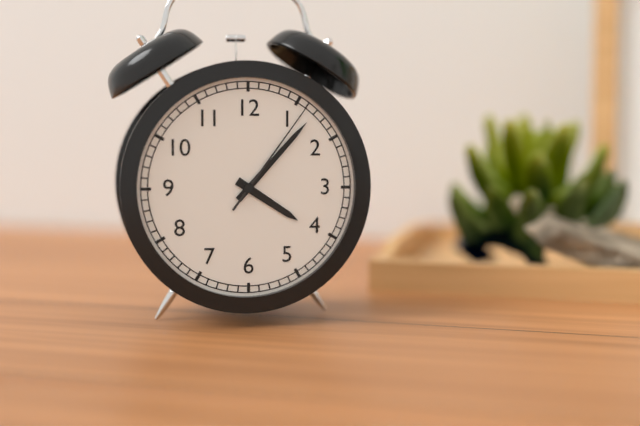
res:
4.07.06
